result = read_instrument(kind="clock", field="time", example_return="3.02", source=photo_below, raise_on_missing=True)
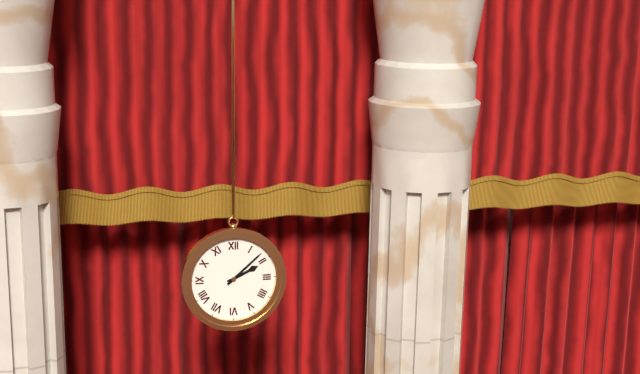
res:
2.08
